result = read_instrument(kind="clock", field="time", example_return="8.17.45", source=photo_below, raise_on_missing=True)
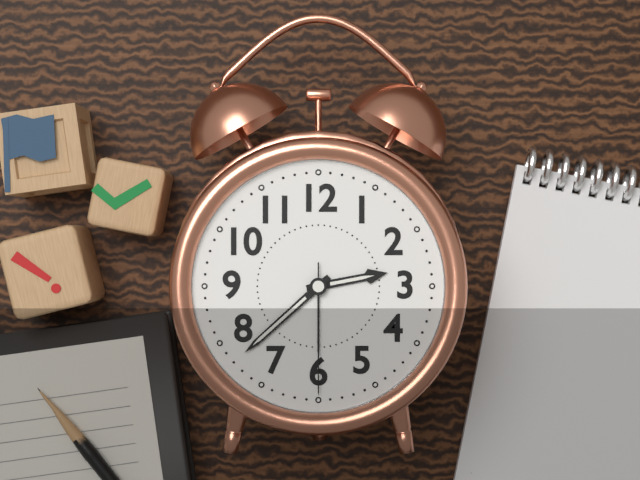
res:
2.38.30
